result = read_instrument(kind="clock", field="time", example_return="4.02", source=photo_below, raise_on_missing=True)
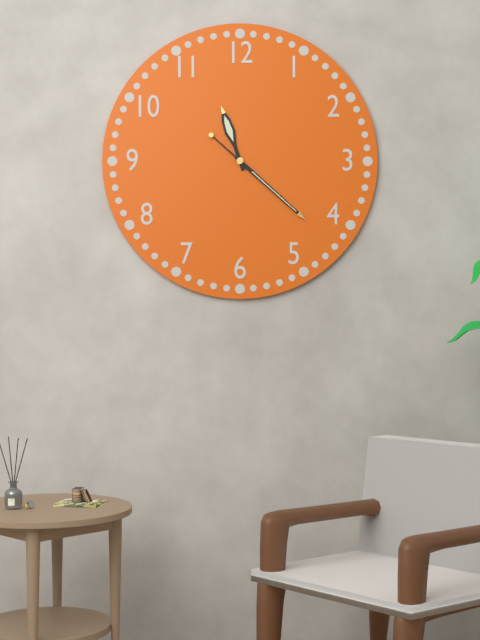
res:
11.22
